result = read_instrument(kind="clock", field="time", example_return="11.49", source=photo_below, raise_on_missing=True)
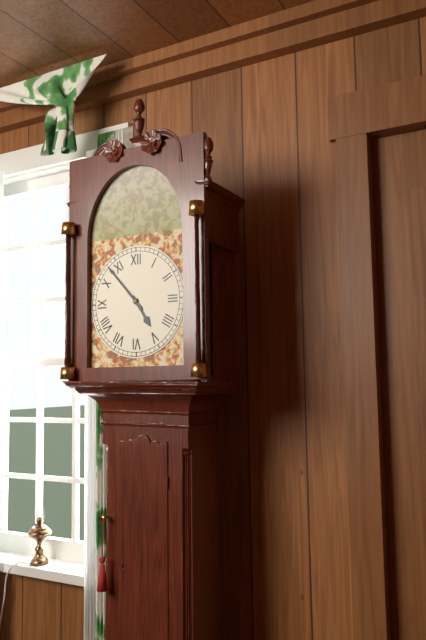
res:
4.53
